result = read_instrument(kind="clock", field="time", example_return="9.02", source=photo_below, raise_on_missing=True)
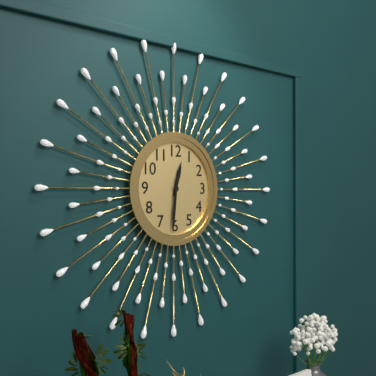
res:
12.31
